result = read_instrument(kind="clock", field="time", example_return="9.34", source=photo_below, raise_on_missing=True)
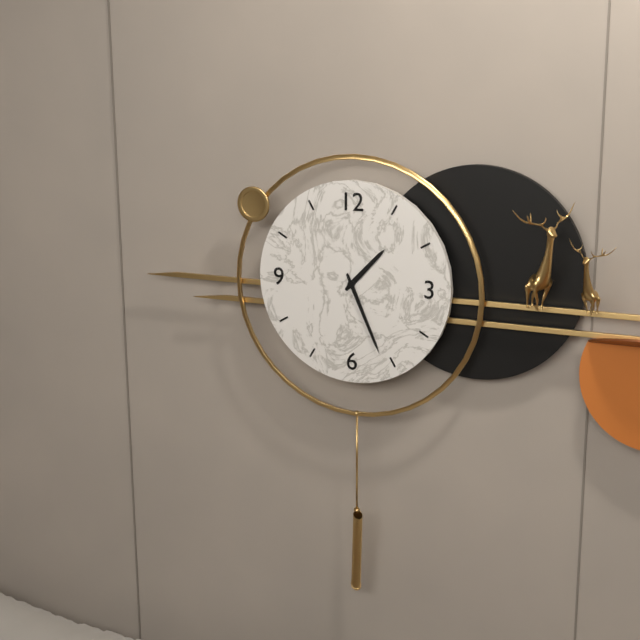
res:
1.26
